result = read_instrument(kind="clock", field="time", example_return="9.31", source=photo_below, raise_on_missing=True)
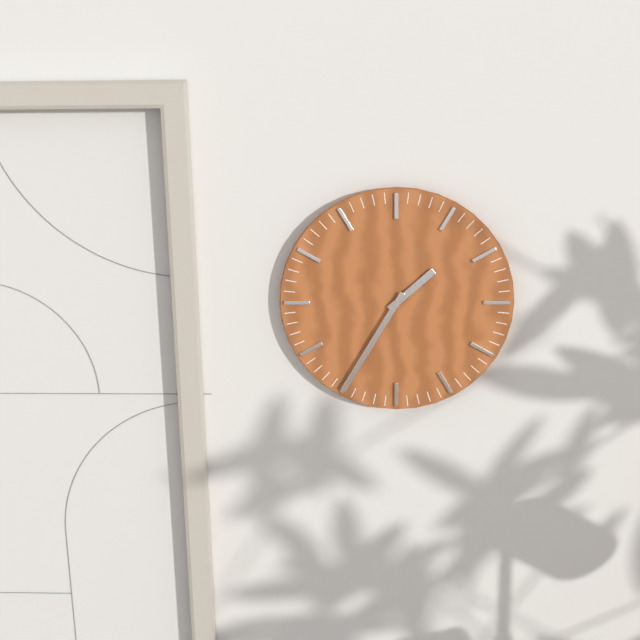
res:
1.35
